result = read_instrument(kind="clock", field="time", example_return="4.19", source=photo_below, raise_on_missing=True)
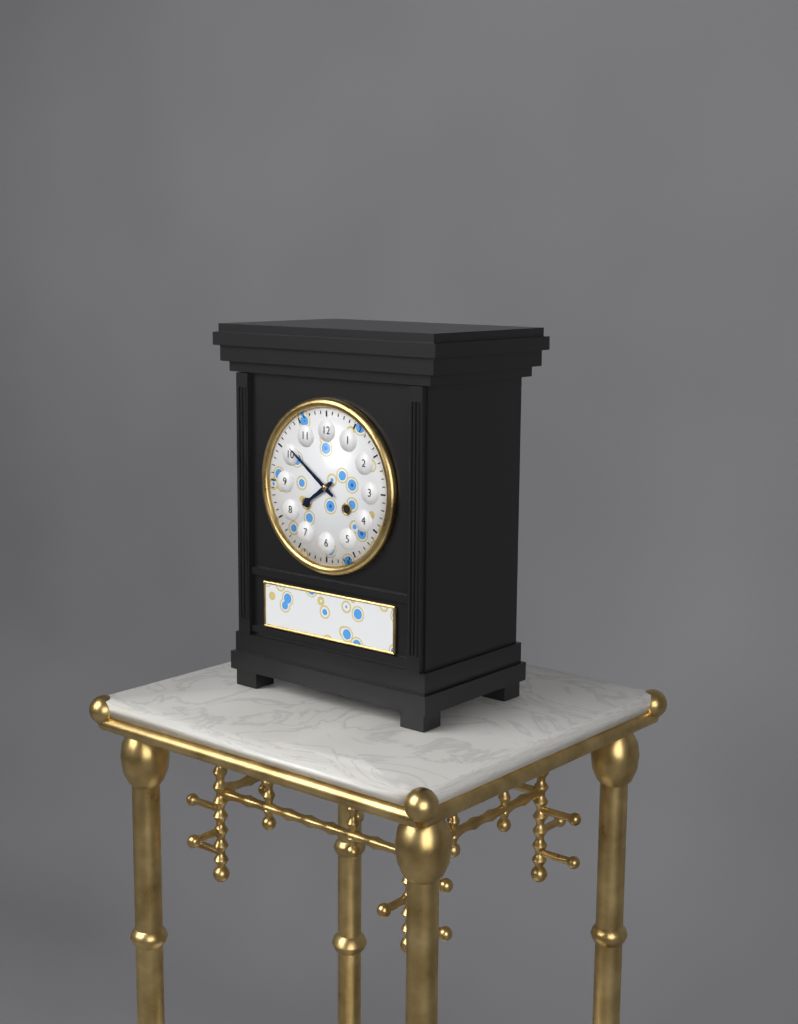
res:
7.51
